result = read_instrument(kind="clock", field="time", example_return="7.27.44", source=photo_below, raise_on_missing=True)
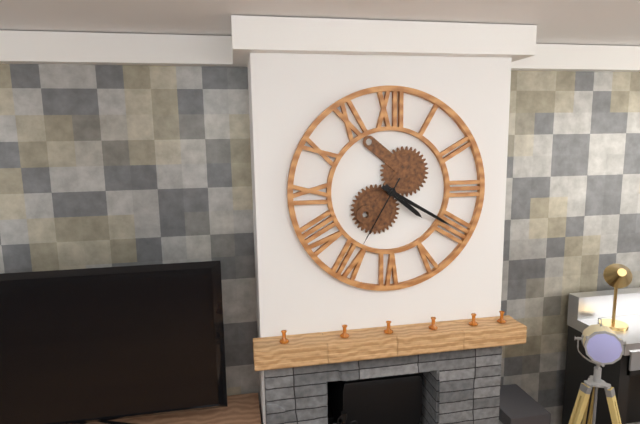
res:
4.20.35
